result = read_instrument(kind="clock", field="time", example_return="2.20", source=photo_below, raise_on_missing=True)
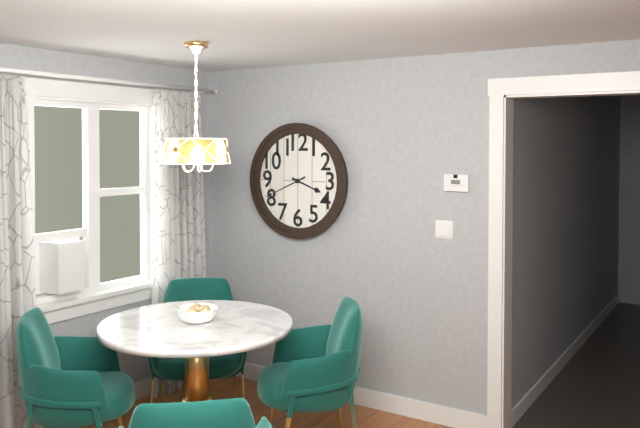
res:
3.41
